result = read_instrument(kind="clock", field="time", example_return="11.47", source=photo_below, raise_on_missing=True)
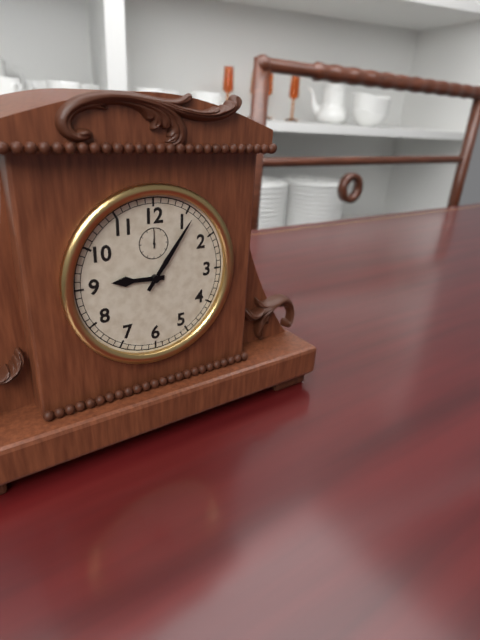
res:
9.06
